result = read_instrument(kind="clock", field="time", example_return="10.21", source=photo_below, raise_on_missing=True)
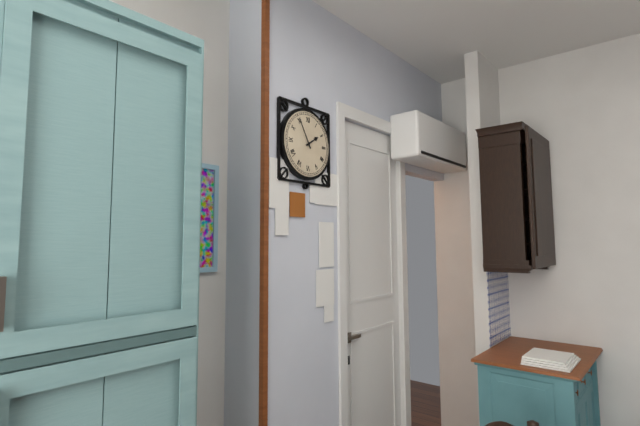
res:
1.55
